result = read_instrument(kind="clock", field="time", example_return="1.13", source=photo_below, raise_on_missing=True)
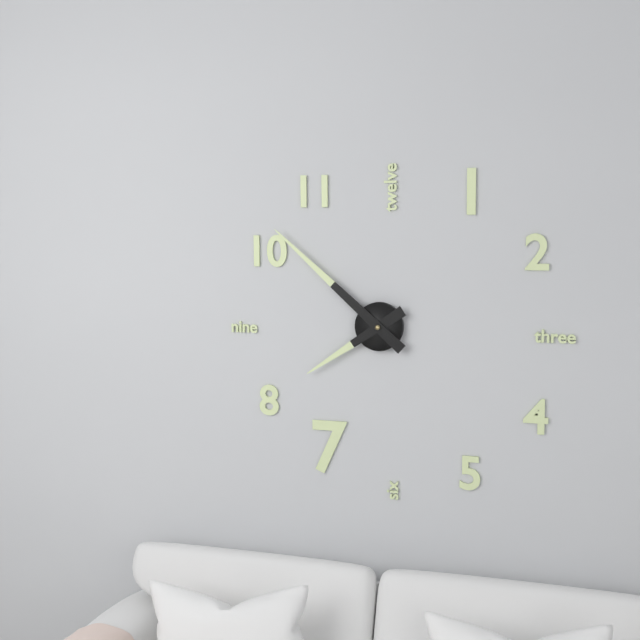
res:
7.52
